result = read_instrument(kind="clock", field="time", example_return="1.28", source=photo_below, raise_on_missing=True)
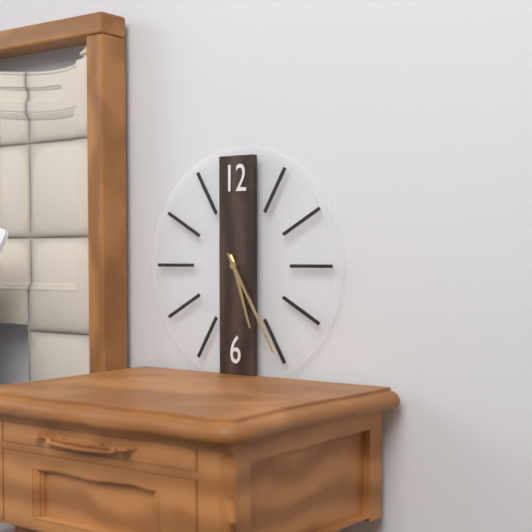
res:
5.25
